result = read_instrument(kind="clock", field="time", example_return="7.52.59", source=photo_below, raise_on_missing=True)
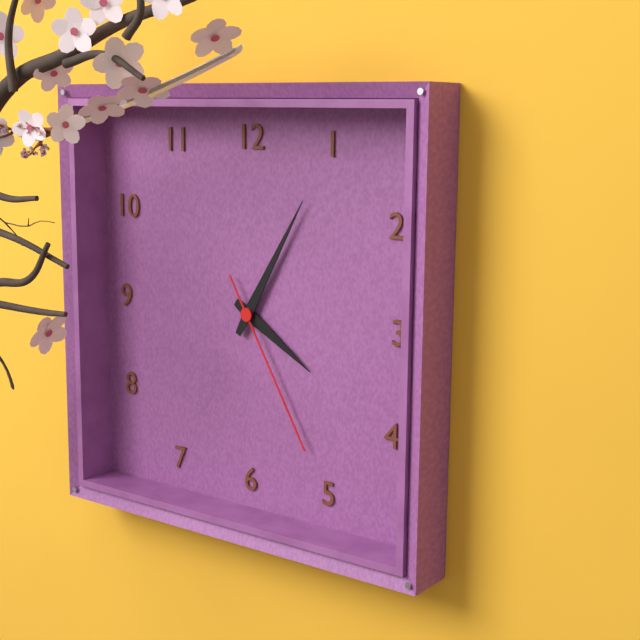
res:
4.05.25
